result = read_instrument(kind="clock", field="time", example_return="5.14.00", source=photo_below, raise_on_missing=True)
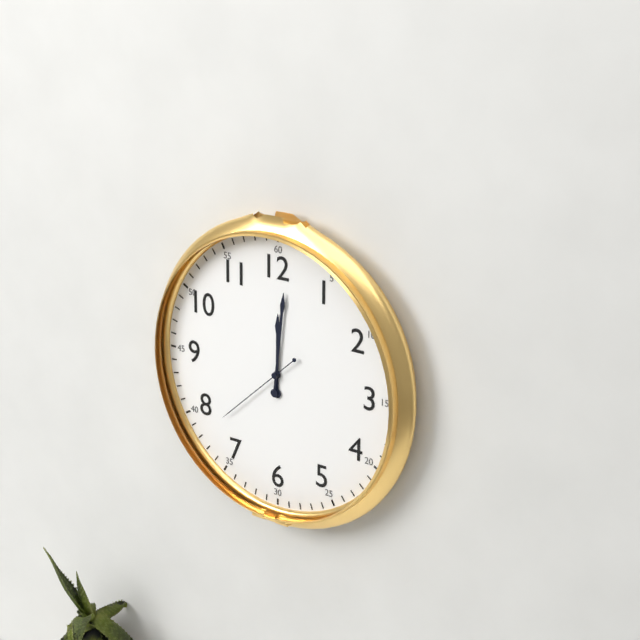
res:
12.01.38
